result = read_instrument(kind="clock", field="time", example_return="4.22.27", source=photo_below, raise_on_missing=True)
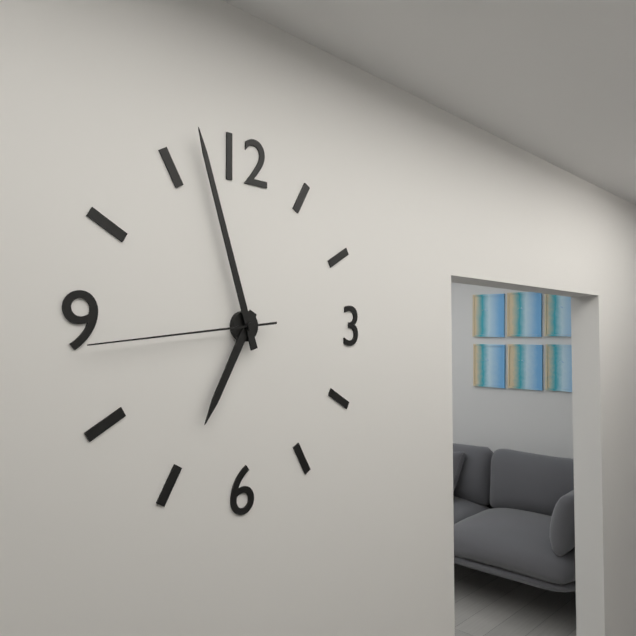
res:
6.57.44
